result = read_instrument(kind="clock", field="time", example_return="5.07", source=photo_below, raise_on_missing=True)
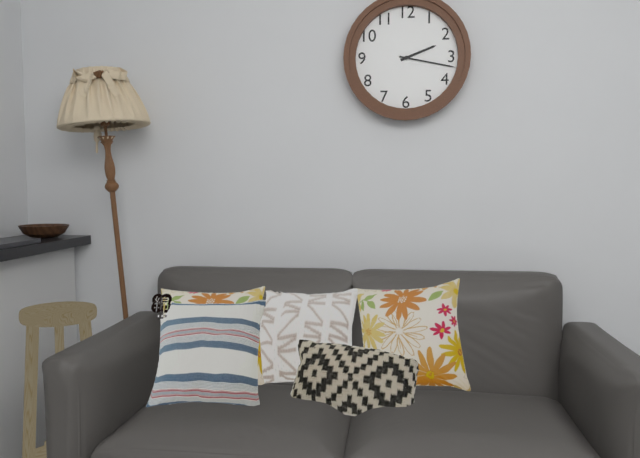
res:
2.17
